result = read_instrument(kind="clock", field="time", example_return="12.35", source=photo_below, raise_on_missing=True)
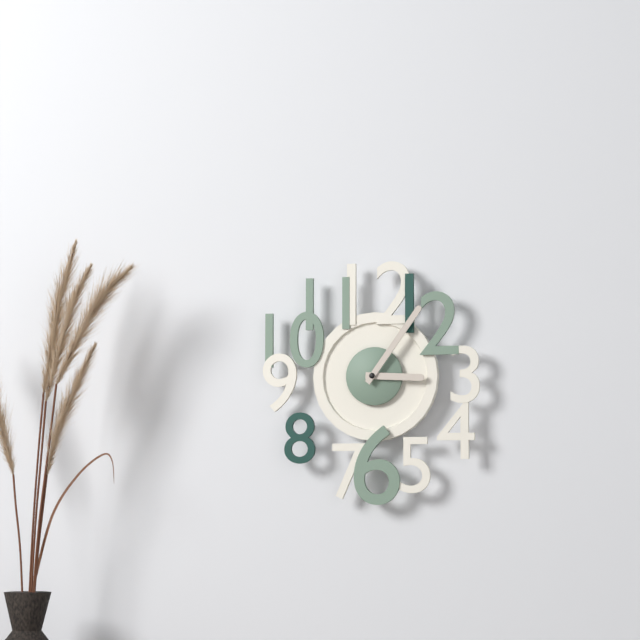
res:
3.06
